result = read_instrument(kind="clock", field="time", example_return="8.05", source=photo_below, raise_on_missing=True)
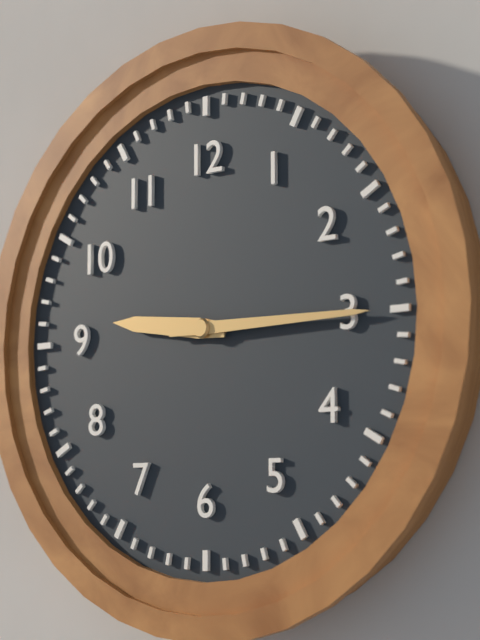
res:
9.15
